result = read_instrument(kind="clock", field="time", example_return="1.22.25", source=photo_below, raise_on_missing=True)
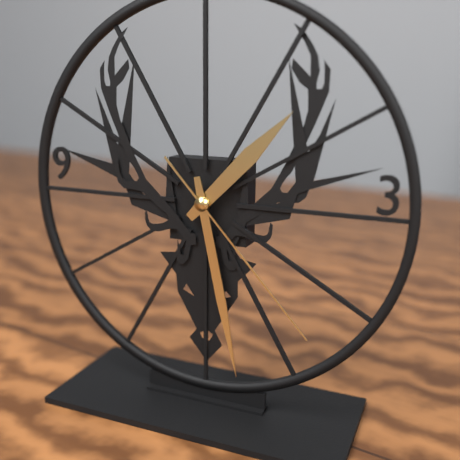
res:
1.28.23
